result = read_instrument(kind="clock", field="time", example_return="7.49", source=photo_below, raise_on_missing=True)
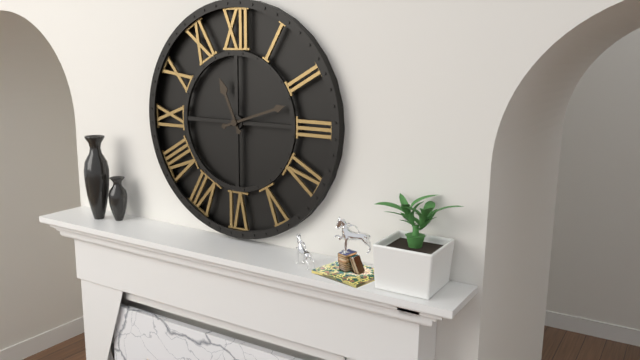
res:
11.12
